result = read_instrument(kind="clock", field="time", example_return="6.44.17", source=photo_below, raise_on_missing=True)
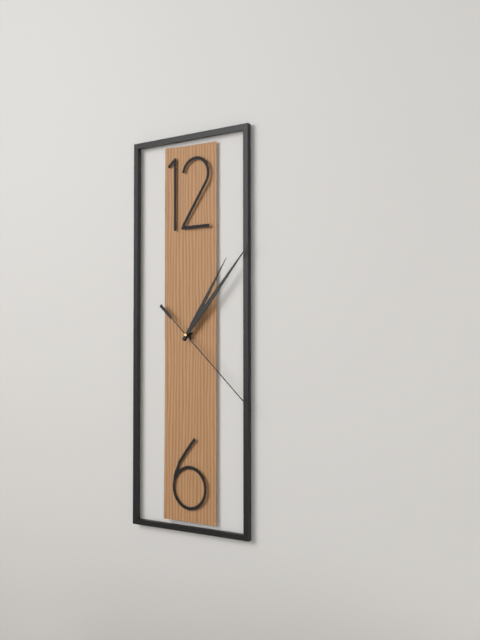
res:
1.07.22
